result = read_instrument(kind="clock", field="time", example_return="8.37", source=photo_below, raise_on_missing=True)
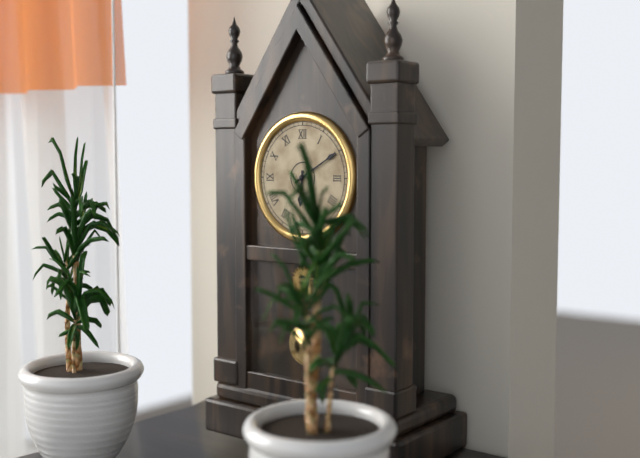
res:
6.10
